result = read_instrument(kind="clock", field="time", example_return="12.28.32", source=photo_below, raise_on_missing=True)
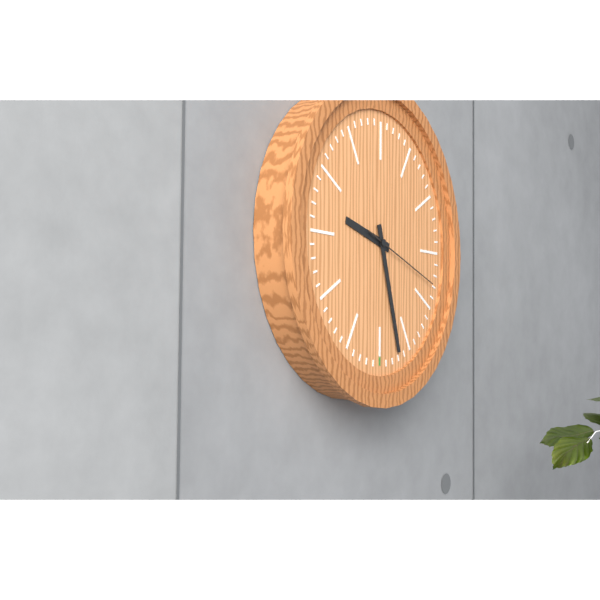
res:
9.27.18
